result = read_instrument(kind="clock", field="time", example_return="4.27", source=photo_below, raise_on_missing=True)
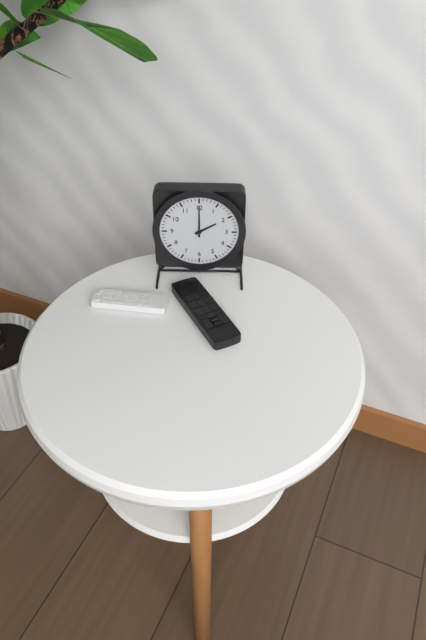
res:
2.00
